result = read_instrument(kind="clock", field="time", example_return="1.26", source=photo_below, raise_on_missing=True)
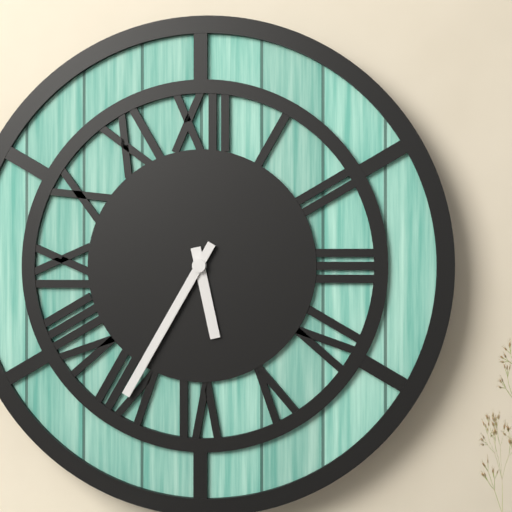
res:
5.35
